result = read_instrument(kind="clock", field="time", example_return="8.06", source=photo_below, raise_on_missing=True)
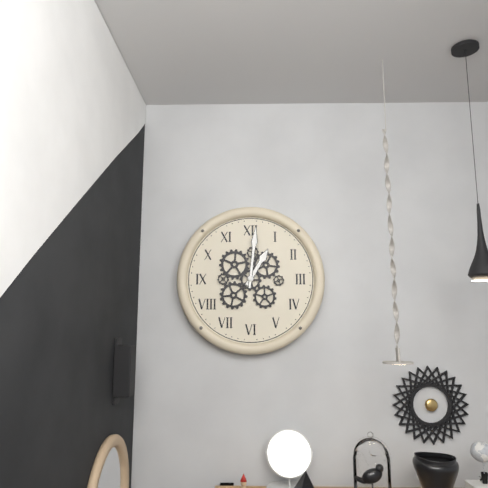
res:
1.01
